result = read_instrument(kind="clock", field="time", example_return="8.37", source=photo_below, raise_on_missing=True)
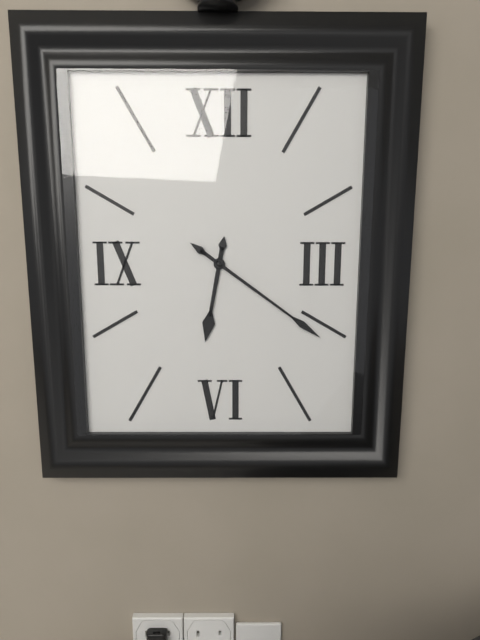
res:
6.21
